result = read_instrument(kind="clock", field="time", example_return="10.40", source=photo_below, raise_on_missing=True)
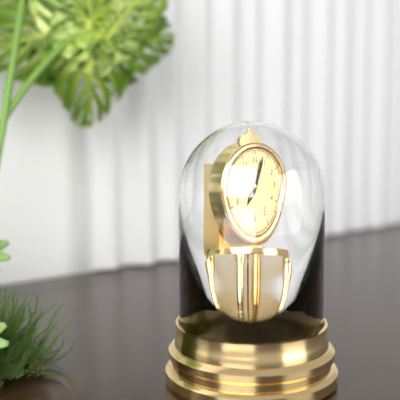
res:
7.03
